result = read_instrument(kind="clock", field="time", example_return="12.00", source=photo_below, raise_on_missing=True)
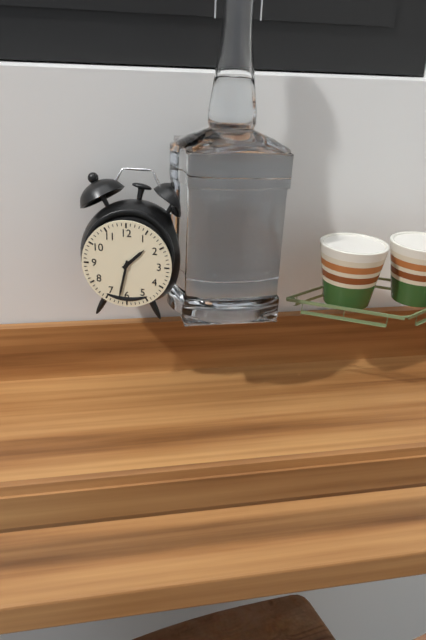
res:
1.32
